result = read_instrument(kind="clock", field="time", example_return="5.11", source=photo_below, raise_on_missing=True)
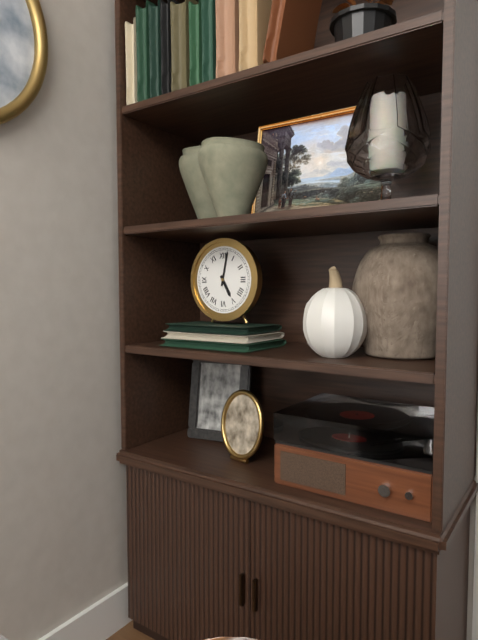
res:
5.02
